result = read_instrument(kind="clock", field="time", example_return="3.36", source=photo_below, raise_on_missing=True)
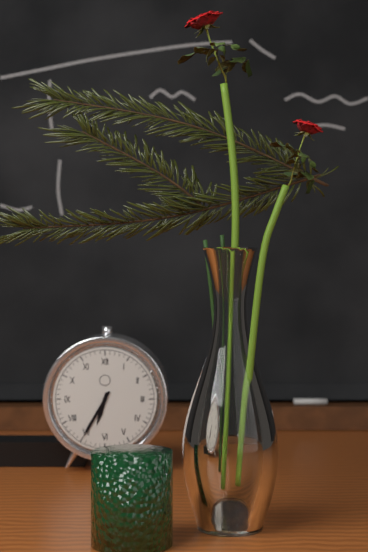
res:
6.35
